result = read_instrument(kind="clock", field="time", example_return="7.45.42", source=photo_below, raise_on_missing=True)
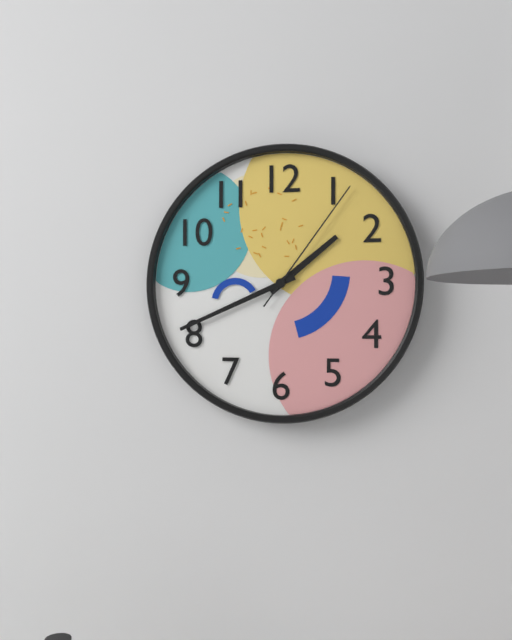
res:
1.41.06
